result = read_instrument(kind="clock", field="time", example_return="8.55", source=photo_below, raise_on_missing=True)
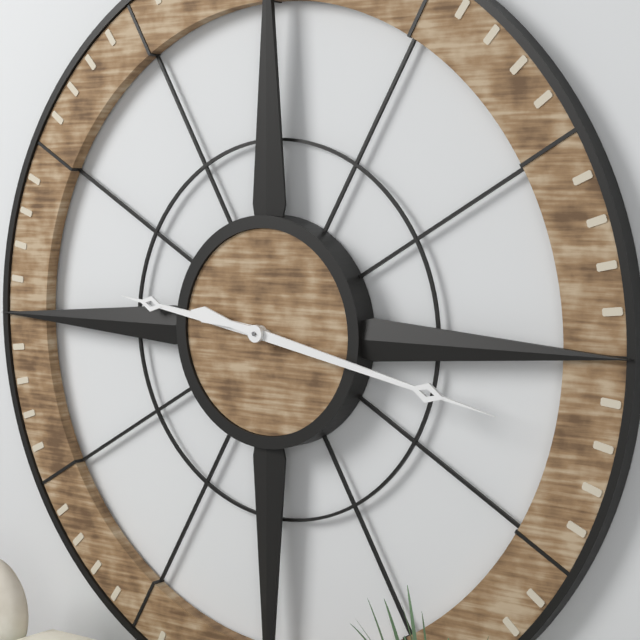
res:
9.17
